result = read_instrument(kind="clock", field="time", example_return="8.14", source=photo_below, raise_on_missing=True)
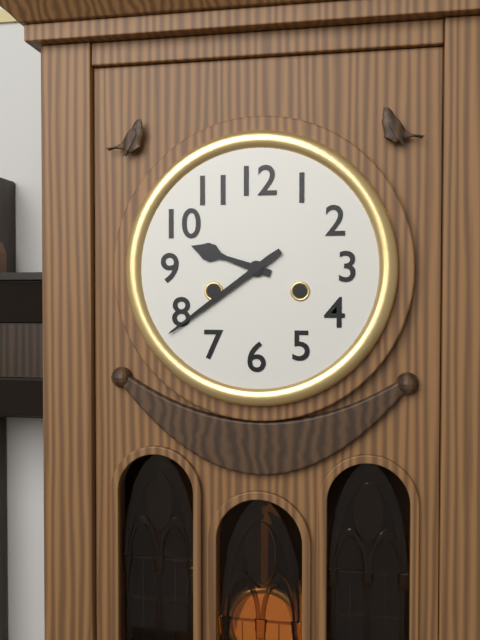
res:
9.39
